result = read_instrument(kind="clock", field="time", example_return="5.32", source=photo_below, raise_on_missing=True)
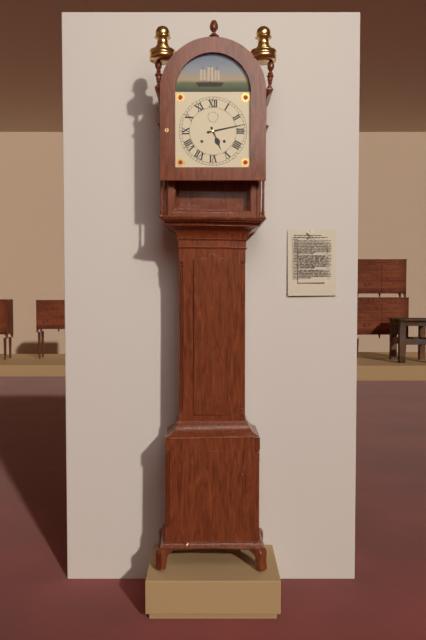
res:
5.13
